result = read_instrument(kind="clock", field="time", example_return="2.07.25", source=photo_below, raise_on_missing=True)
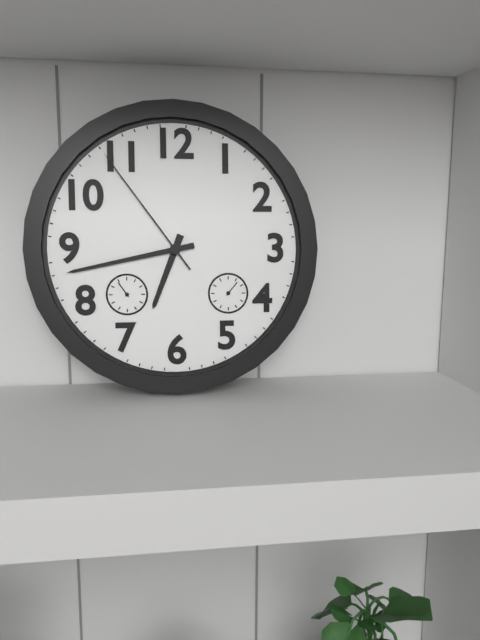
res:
6.43.54
